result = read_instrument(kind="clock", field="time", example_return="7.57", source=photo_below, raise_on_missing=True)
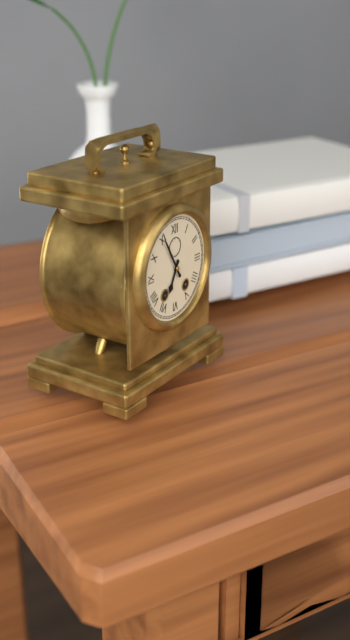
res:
6.55
